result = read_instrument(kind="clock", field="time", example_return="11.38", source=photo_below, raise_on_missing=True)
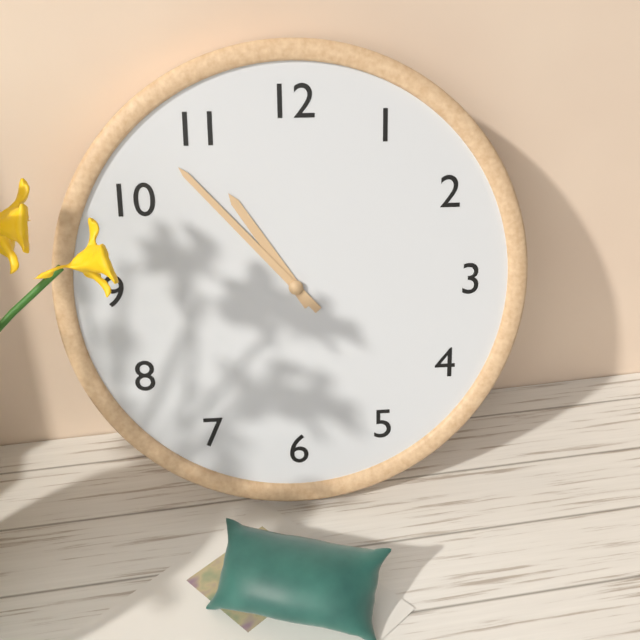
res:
10.53
